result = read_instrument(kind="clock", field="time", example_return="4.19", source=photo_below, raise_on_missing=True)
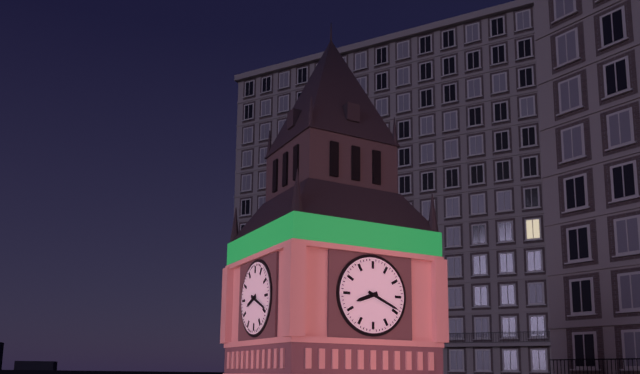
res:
8.19
